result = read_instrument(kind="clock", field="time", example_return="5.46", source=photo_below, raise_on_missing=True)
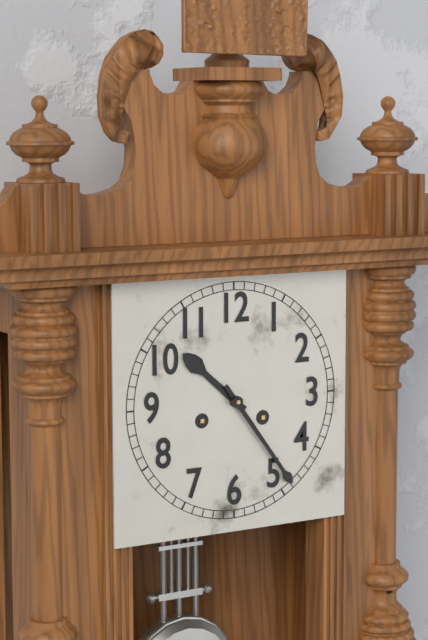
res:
10.24
